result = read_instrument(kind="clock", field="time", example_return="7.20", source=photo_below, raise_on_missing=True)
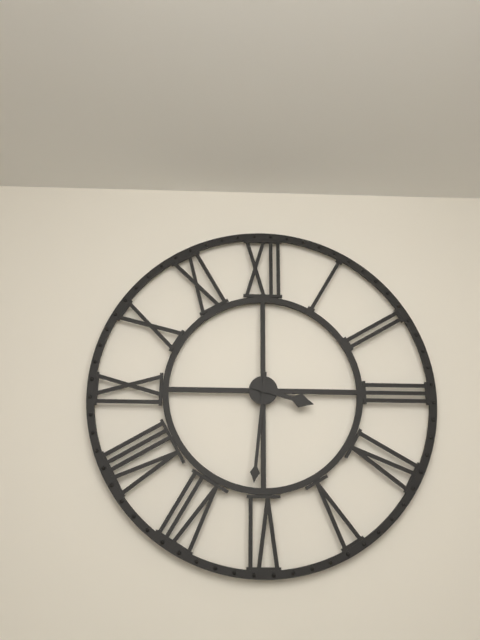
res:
3.31
